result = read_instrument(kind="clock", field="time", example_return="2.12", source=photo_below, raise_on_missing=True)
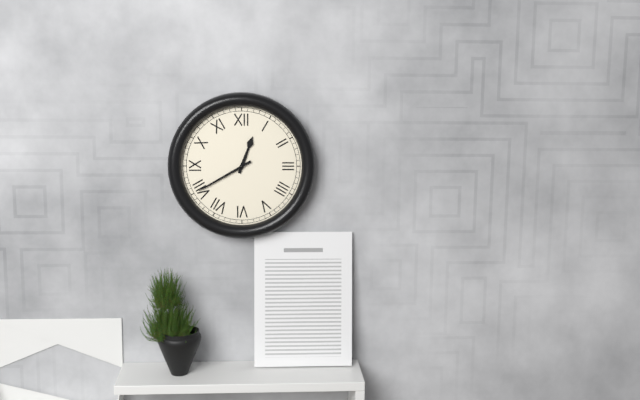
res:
12.40
